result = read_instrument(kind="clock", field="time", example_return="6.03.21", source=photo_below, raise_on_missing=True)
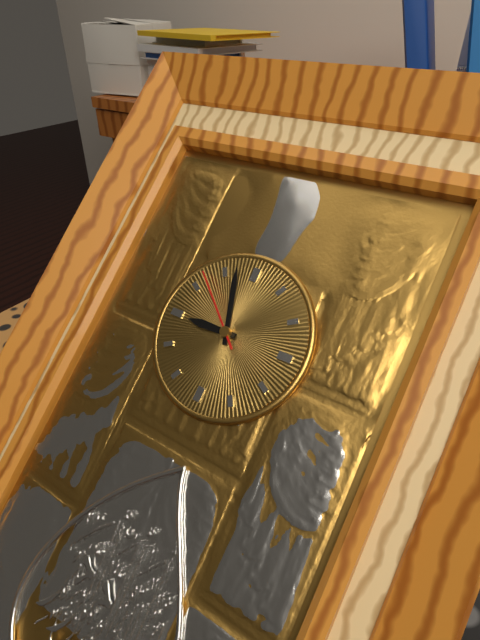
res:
8.57.52
